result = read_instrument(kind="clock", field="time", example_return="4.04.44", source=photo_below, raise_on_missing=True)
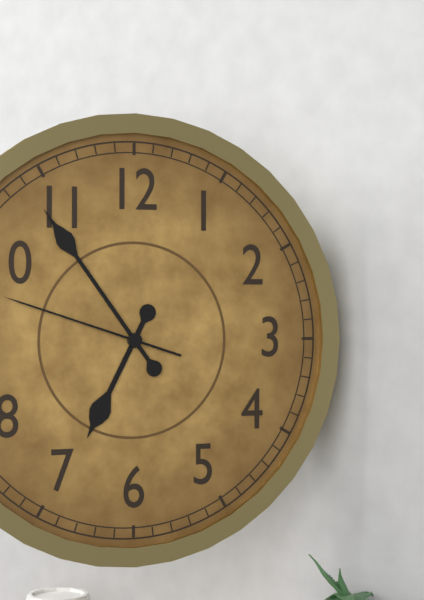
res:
6.54.48
